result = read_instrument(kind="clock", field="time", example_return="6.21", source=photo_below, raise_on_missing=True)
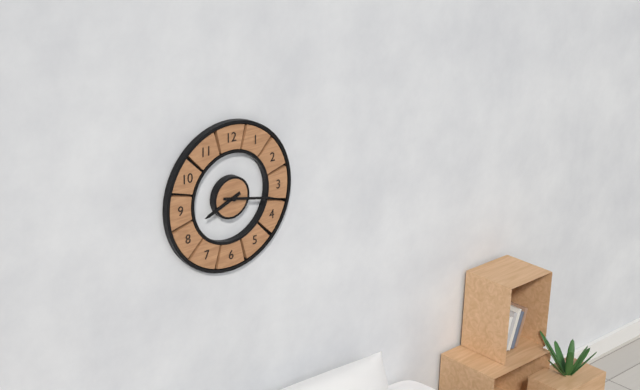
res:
8.17
